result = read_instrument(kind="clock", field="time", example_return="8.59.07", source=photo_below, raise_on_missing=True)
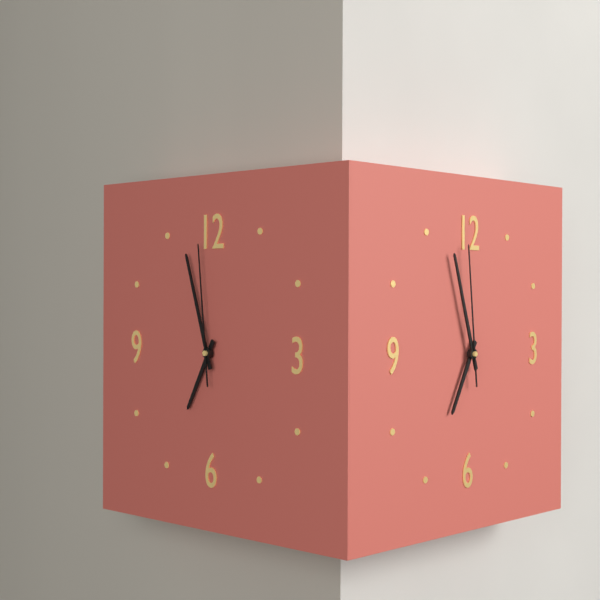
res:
6.57.59
